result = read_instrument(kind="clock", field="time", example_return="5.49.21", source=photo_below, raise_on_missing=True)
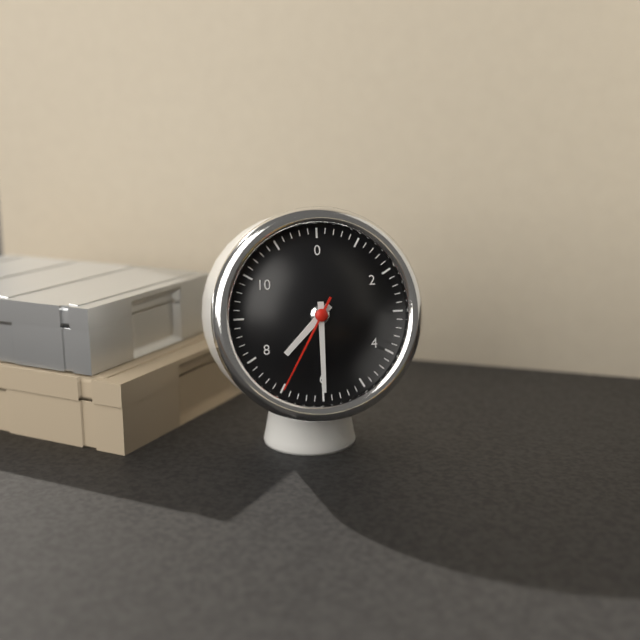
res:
7.30.35
